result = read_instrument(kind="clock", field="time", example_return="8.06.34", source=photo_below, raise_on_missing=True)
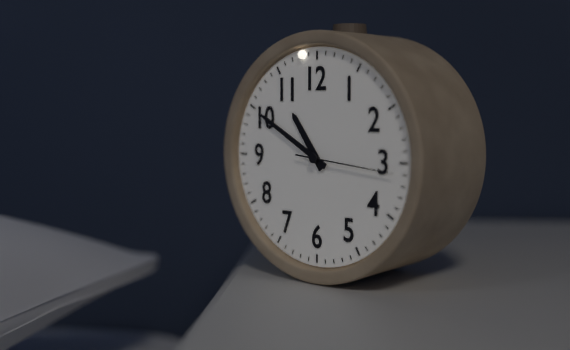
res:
10.50.16
